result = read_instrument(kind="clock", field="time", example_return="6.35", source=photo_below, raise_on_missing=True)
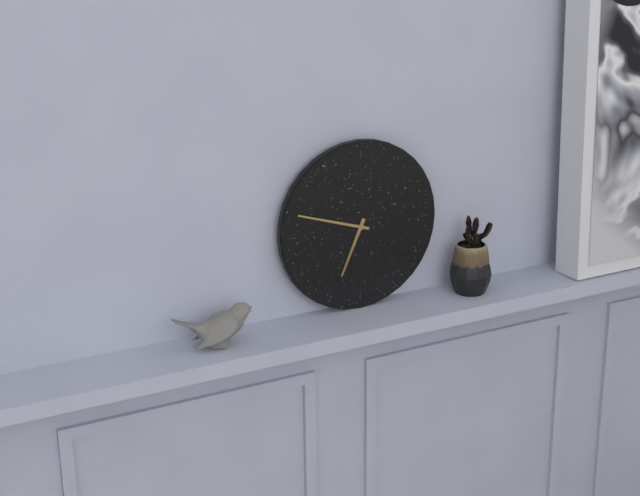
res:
6.48
